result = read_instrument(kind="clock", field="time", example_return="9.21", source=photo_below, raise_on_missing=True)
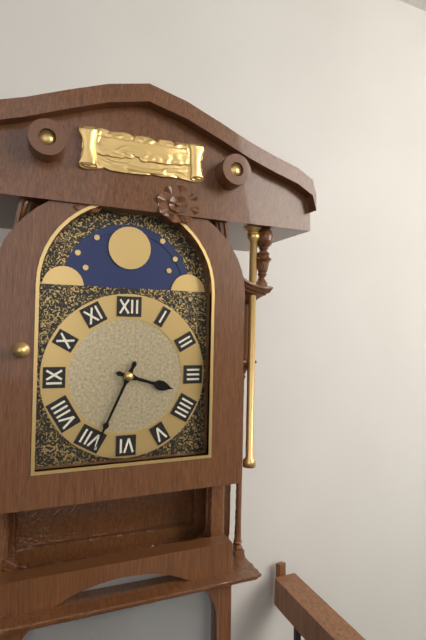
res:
3.34
